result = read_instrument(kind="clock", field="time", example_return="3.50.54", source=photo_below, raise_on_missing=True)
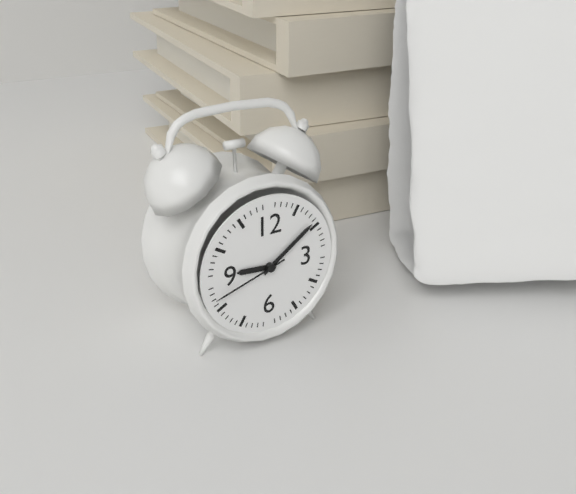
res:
9.09.42
